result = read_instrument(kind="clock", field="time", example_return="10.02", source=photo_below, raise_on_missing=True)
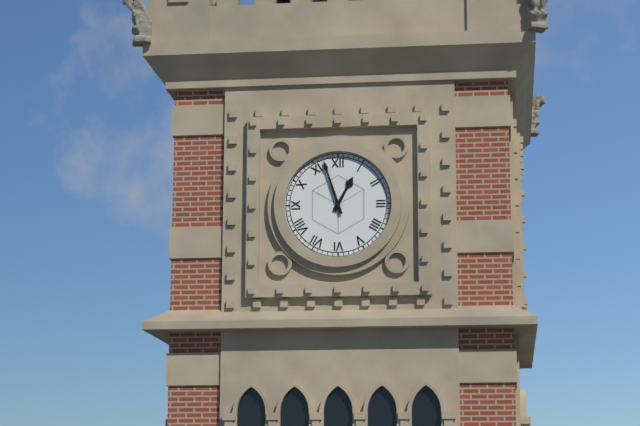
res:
12.57
